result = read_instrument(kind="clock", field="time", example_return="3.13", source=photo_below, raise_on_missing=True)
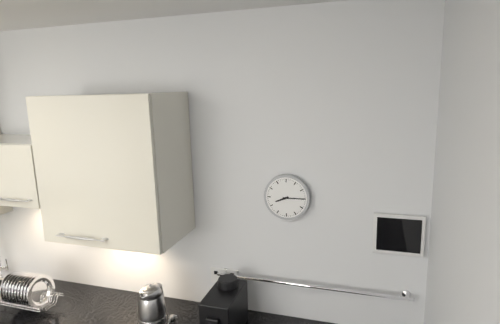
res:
8.15
